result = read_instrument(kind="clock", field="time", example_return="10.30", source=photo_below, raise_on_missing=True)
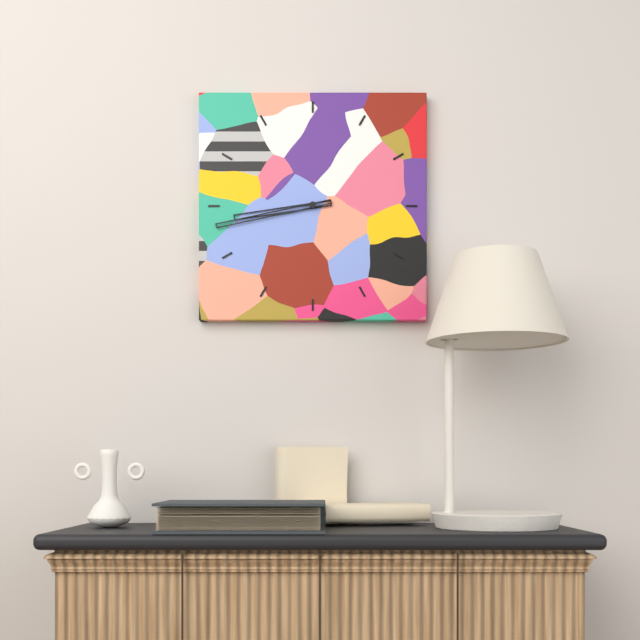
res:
8.43
